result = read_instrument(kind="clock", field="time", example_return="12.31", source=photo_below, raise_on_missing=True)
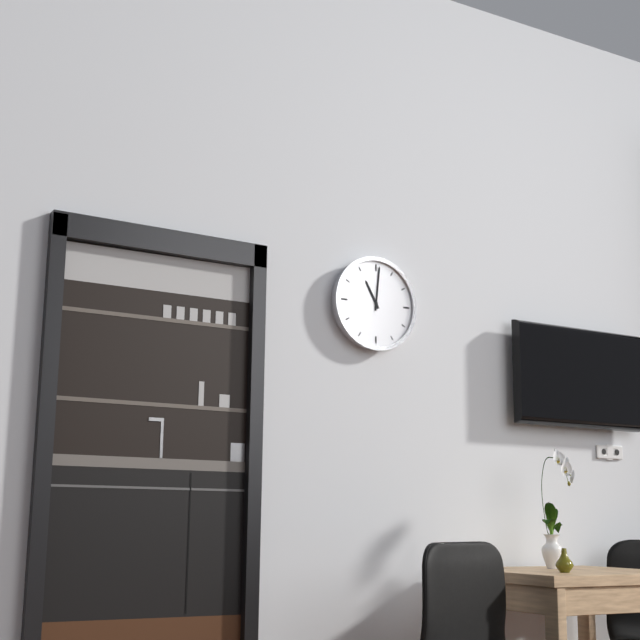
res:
11.01
